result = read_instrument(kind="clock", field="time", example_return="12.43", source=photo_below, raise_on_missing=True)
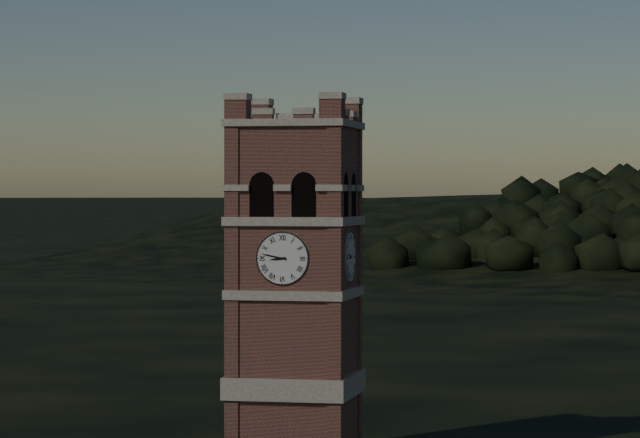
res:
8.47
